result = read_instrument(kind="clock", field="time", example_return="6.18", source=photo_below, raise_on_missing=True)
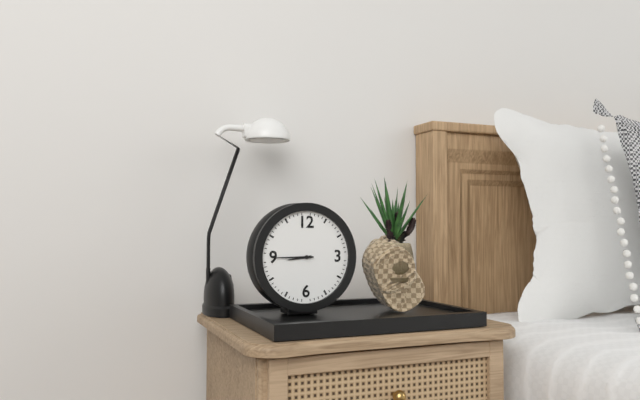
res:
8.45
